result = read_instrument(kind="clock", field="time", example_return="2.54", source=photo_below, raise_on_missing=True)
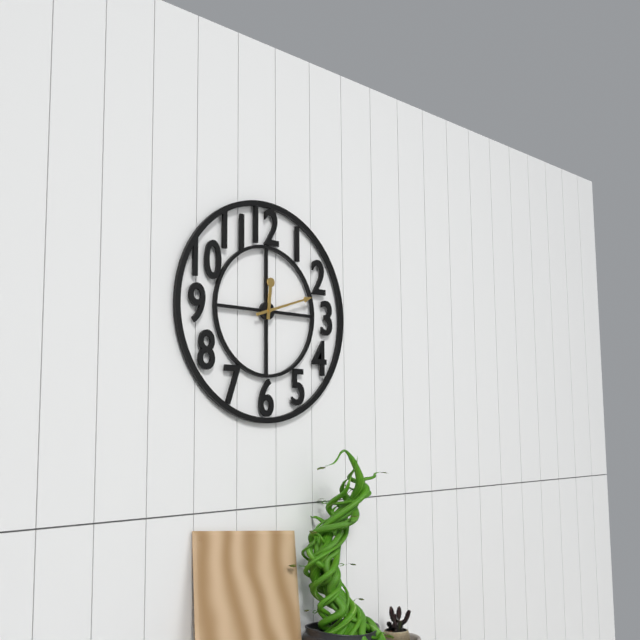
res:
12.12
